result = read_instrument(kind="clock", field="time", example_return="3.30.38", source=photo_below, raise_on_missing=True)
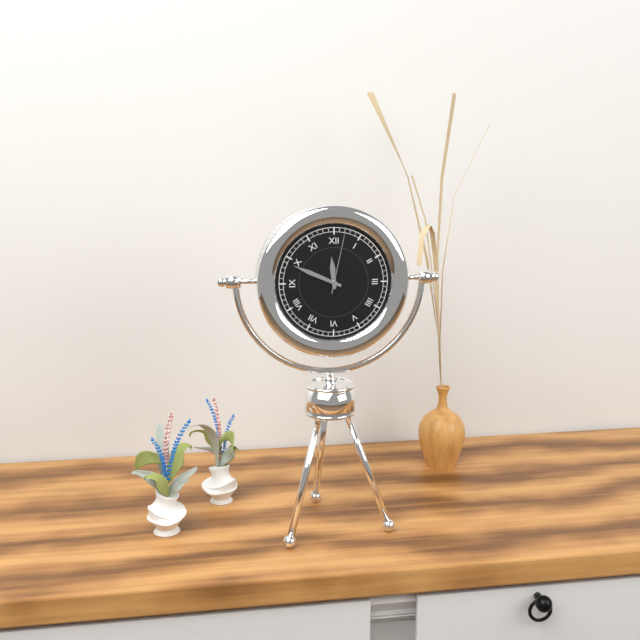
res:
11.49.02
